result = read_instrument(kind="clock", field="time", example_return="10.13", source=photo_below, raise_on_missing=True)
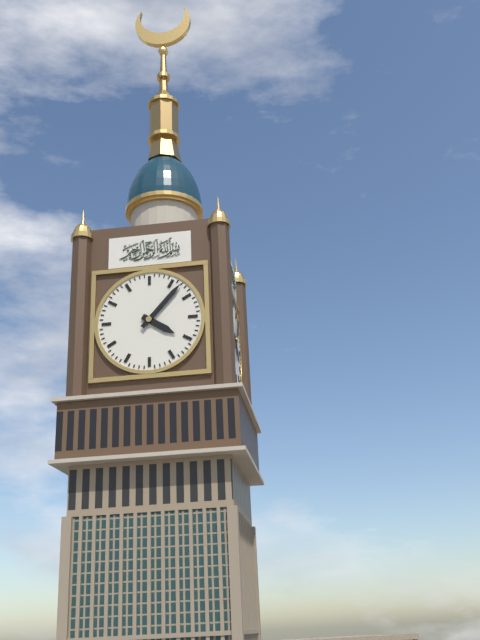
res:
4.07
